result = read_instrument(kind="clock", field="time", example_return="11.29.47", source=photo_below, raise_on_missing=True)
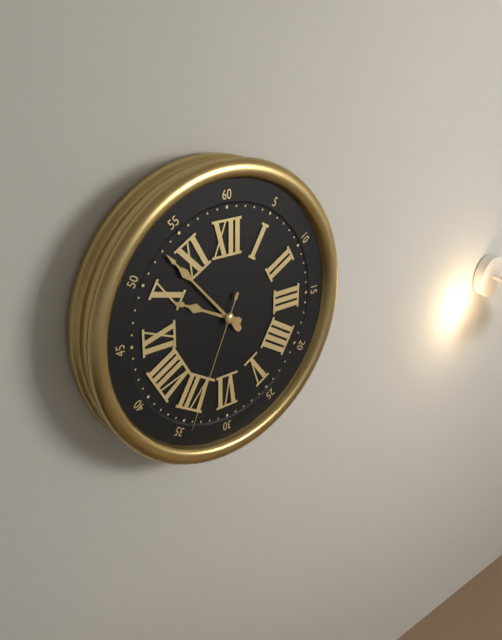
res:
9.53.34
